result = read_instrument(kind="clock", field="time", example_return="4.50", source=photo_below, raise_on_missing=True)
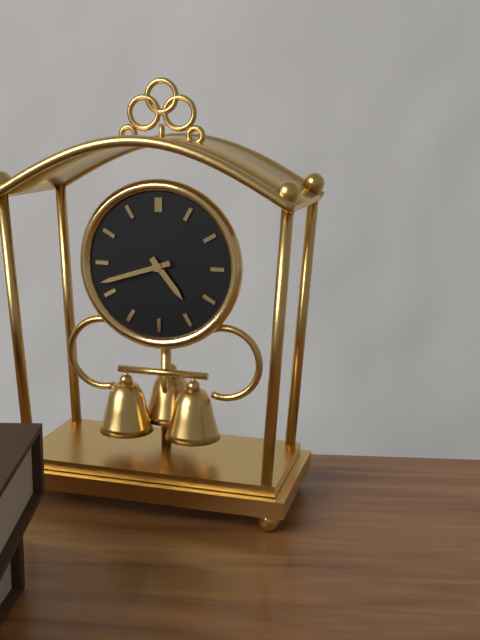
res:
4.42
